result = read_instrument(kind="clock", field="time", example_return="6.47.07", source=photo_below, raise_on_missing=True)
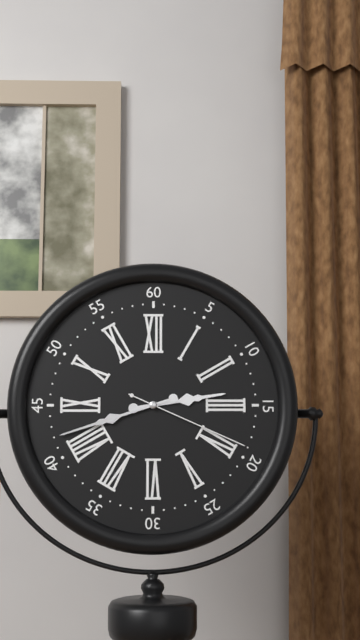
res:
2.42.19
